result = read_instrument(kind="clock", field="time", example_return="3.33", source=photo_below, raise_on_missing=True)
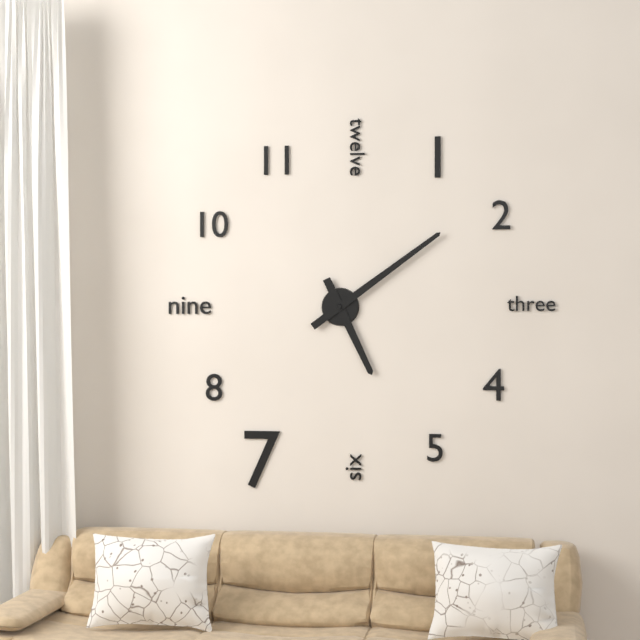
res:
5.09
